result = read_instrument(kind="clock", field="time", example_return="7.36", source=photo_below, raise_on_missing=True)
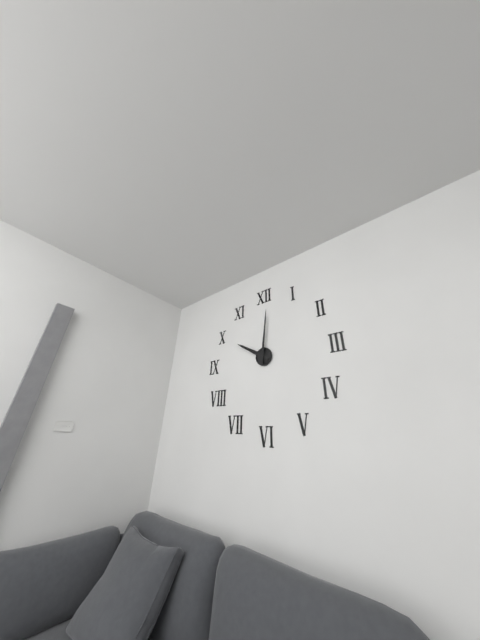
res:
10.01
